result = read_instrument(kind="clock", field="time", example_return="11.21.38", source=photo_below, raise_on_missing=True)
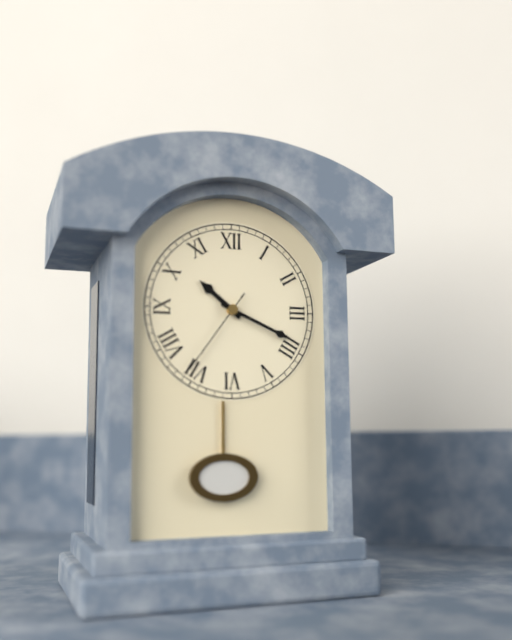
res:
10.19.36
